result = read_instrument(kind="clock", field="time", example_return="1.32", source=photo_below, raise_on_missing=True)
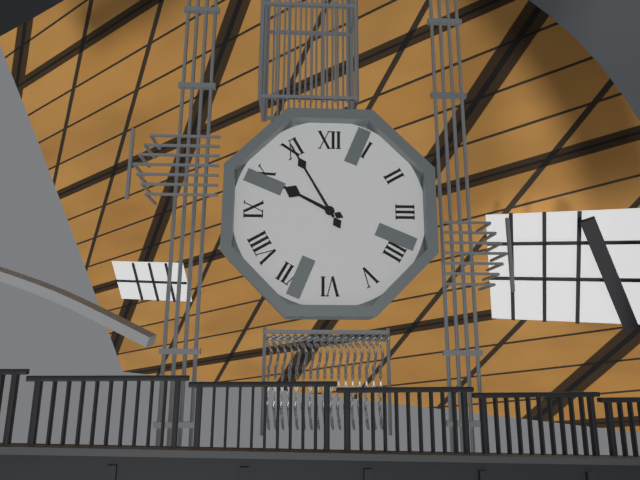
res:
9.55
